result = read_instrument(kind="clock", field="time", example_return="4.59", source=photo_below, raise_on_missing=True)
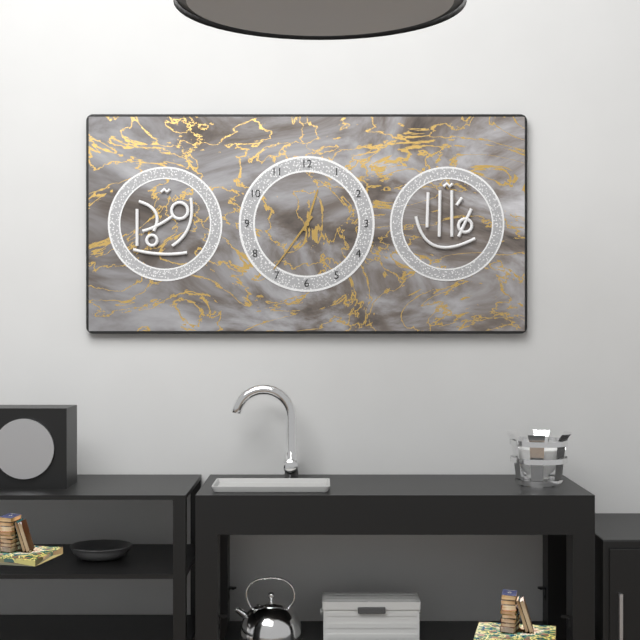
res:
12.36
